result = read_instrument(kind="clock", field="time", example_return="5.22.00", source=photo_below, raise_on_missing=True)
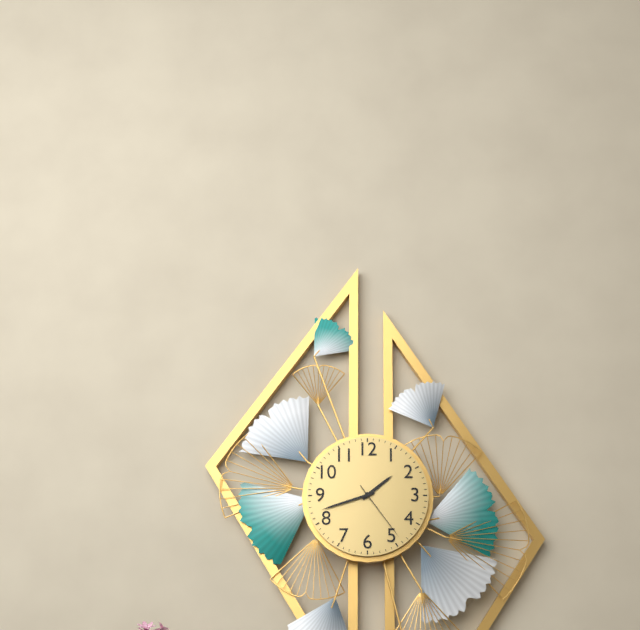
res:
1.42.24
